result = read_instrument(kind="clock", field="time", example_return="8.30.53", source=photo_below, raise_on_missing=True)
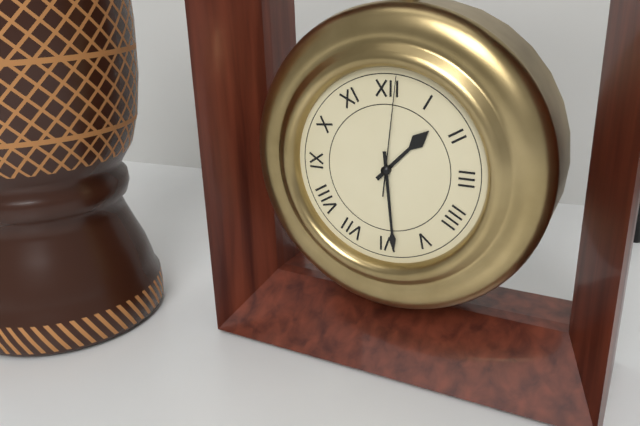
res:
1.29.01
